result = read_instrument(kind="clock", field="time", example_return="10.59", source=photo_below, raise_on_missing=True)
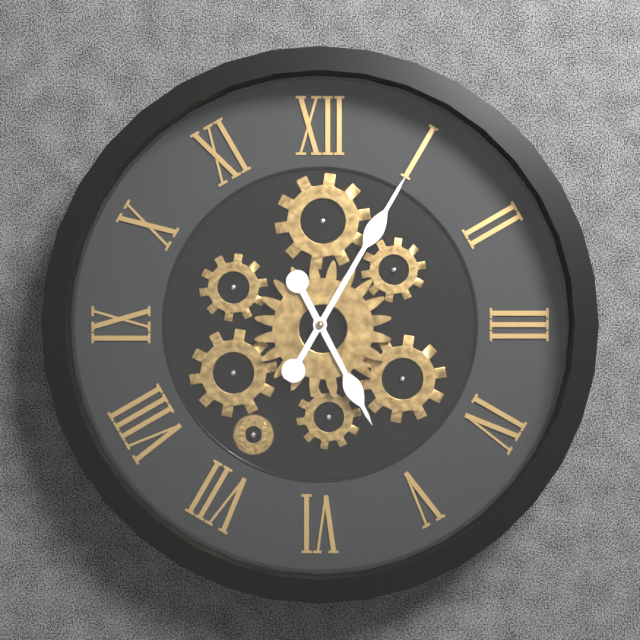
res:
5.05
